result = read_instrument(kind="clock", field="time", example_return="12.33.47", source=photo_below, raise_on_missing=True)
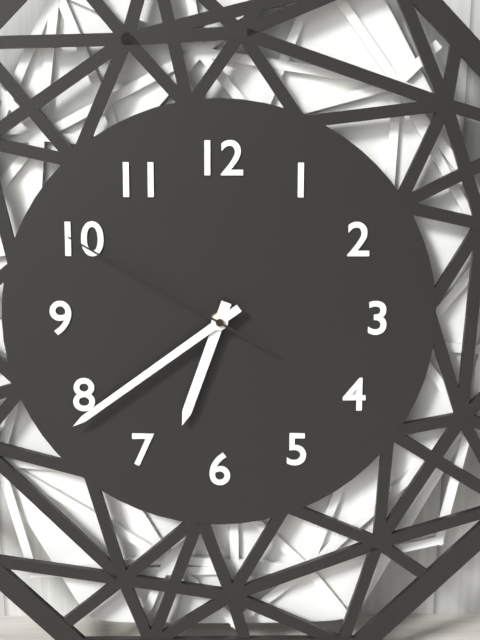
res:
6.39.50
